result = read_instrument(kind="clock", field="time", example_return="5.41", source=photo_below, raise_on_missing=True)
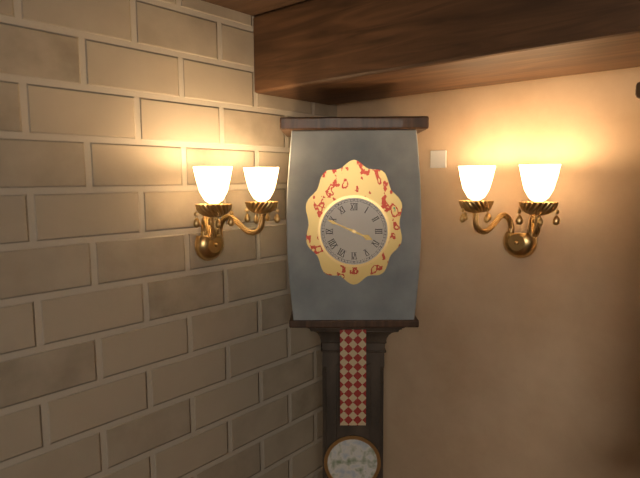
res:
3.49
